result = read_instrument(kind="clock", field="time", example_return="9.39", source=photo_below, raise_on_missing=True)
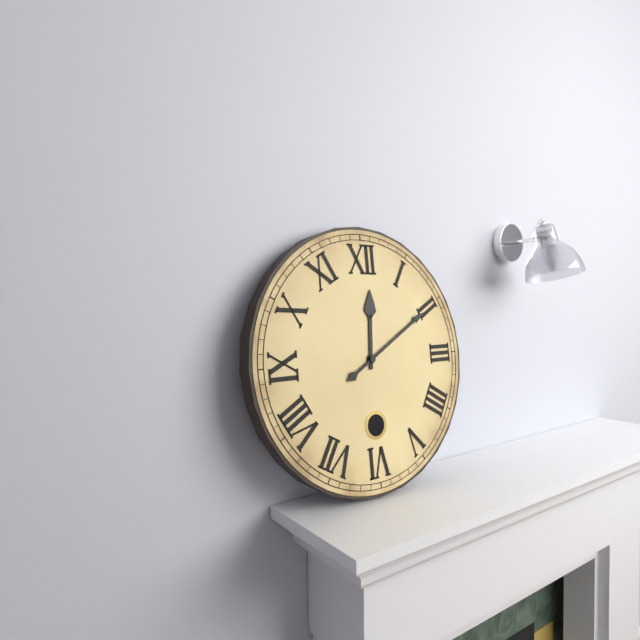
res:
12.10
